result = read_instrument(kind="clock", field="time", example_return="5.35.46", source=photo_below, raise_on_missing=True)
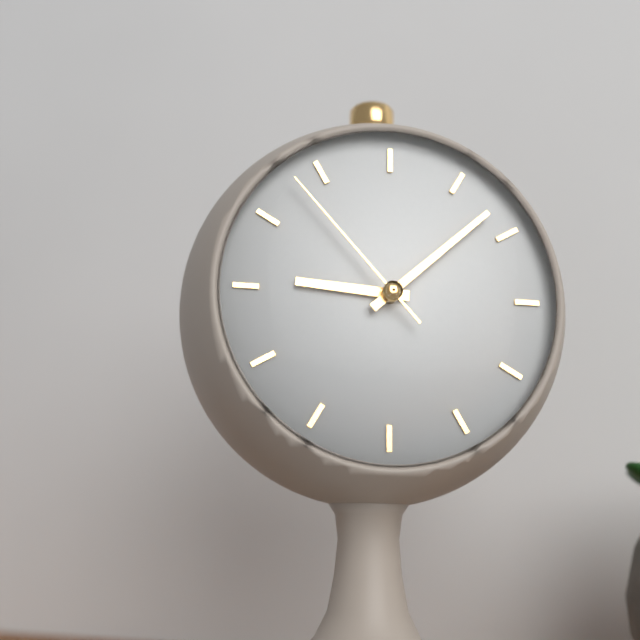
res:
9.08.53
